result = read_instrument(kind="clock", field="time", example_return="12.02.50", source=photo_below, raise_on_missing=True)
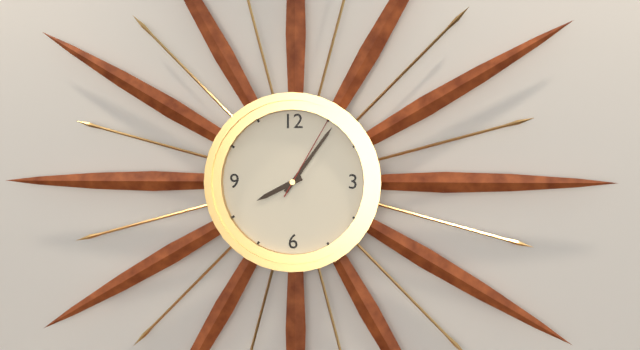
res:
8.06.05
